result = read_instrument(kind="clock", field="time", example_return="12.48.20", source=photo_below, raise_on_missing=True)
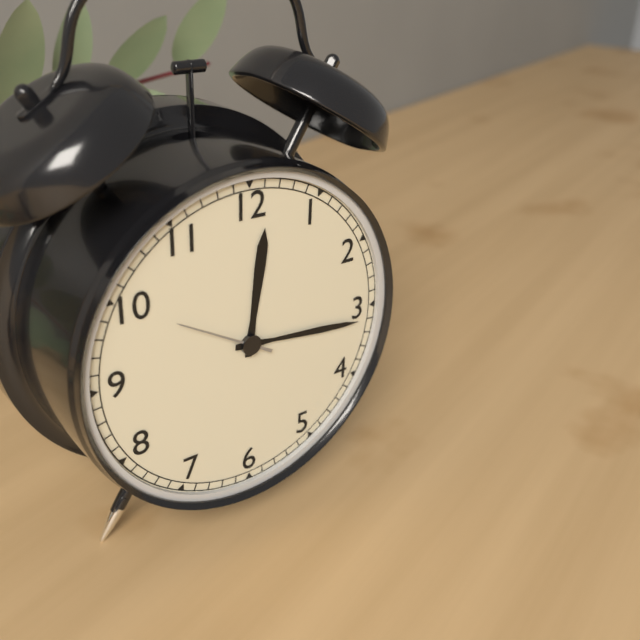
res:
12.16.50
